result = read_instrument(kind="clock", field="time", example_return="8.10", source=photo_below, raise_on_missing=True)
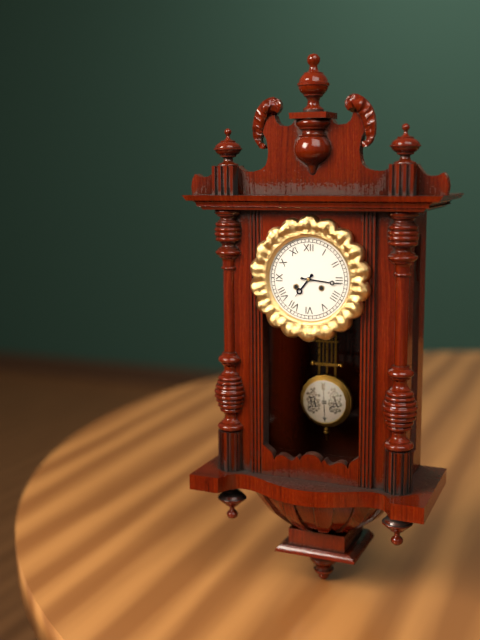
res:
7.16
